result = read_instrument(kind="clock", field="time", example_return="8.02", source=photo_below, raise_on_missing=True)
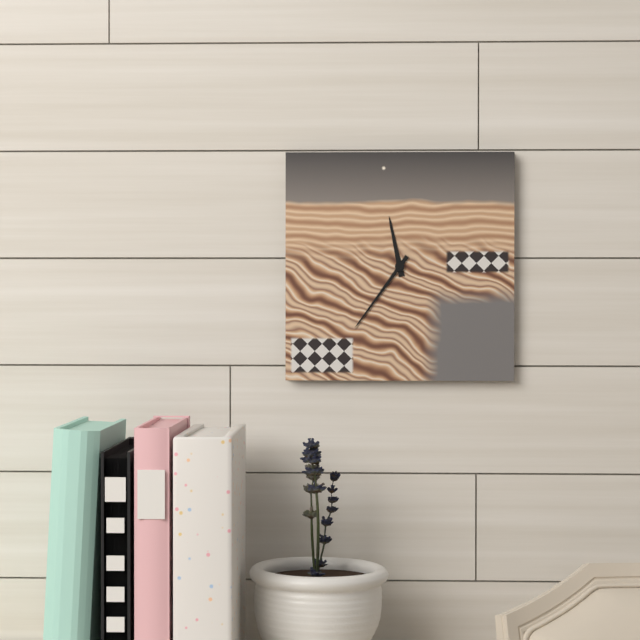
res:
11.36
